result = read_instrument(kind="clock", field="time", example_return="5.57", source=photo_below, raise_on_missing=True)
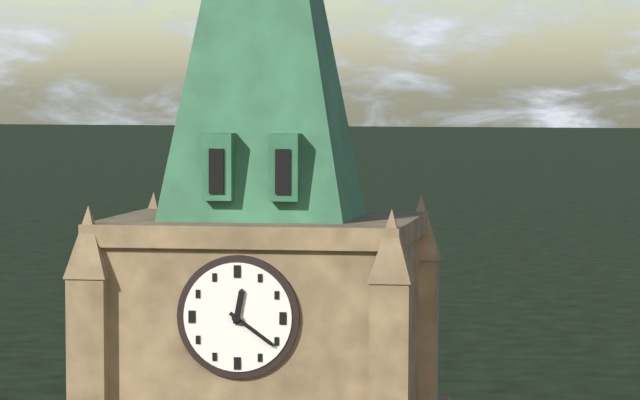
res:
12.21
